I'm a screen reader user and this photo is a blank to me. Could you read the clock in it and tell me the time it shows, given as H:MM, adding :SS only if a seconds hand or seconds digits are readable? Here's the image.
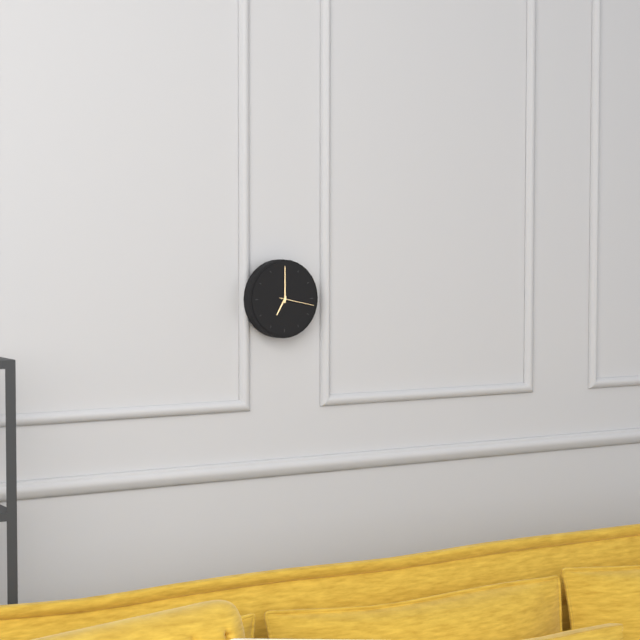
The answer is 7:00
